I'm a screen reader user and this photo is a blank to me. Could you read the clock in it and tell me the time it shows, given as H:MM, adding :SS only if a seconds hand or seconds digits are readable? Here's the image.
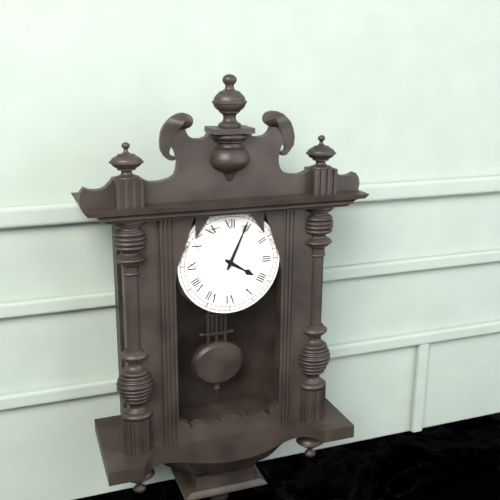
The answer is 4:04
